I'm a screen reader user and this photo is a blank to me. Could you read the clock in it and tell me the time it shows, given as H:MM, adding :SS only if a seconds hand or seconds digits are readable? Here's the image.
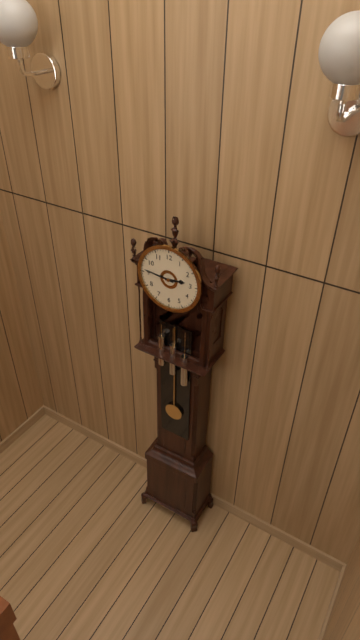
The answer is 2:46
